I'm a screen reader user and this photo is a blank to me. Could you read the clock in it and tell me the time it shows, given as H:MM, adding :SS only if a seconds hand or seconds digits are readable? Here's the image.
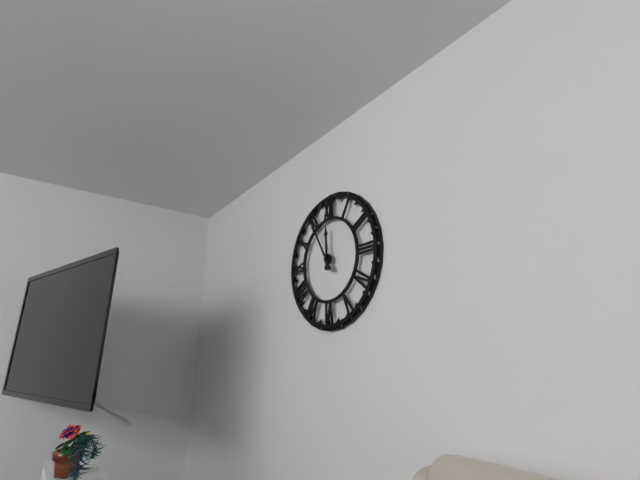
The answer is 11:55
